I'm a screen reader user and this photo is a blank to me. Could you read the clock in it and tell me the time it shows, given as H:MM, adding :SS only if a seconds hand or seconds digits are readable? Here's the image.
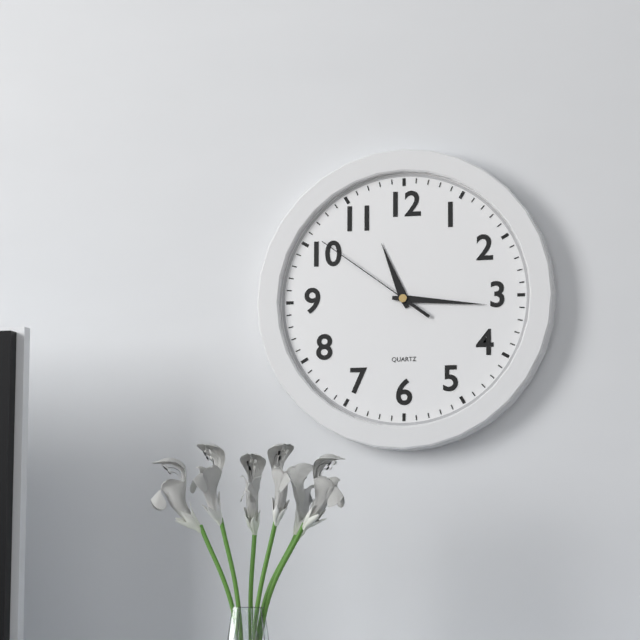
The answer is 11:16:51
